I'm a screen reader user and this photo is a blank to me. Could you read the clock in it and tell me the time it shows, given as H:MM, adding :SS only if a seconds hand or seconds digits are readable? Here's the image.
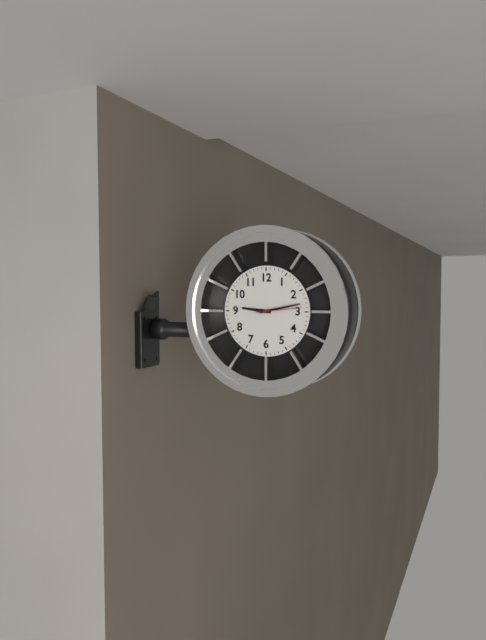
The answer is 9:13
